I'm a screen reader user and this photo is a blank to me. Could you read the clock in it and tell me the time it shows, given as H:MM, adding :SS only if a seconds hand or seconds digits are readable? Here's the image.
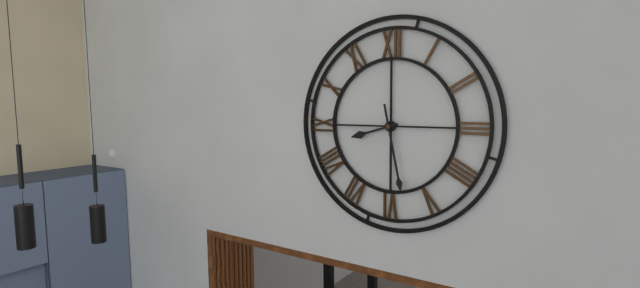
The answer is 8:28
